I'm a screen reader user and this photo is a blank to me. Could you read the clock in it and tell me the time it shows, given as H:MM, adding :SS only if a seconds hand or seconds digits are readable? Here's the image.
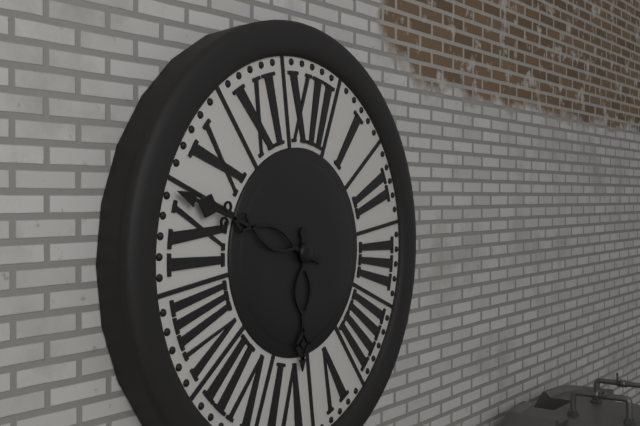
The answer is 5:47
